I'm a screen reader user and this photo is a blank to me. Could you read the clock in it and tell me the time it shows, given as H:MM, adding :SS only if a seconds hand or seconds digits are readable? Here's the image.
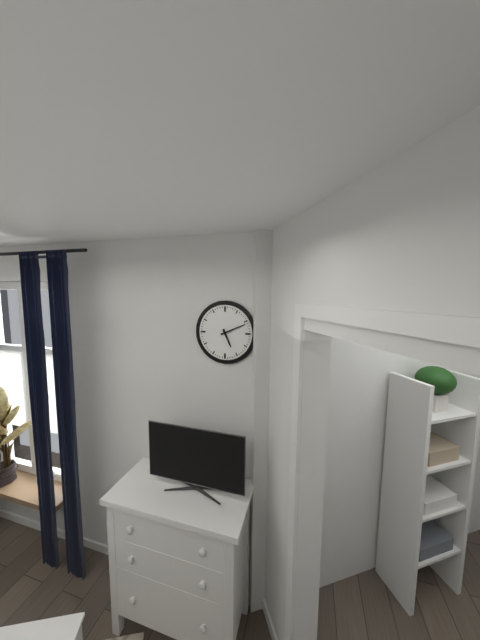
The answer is 5:11
